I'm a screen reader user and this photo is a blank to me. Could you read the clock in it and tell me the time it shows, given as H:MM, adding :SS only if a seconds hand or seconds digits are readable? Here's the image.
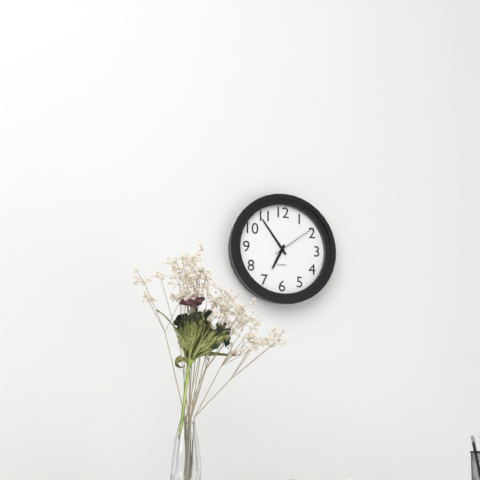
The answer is 6:54
